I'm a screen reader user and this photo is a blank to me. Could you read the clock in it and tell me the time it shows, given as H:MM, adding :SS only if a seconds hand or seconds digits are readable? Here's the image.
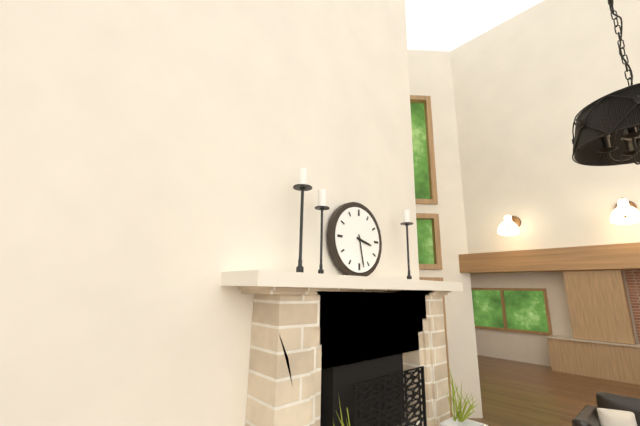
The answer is 3:28
